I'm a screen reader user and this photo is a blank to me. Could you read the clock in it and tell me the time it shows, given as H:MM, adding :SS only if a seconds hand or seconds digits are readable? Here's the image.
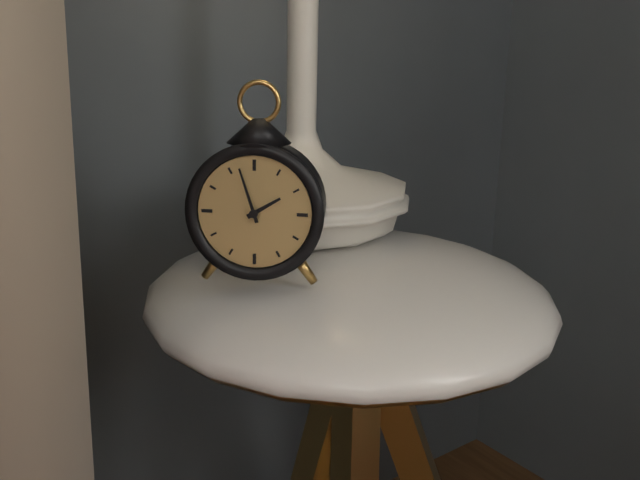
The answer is 1:57
